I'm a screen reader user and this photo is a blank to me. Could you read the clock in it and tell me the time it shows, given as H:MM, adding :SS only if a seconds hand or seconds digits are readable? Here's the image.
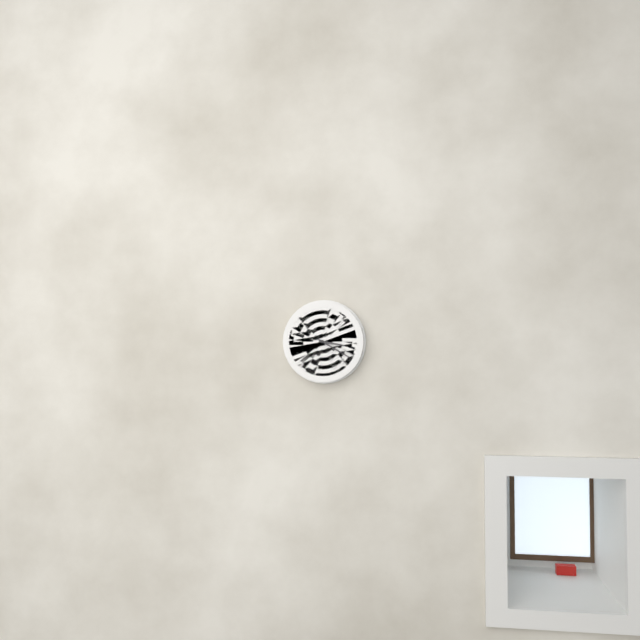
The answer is 3:20
